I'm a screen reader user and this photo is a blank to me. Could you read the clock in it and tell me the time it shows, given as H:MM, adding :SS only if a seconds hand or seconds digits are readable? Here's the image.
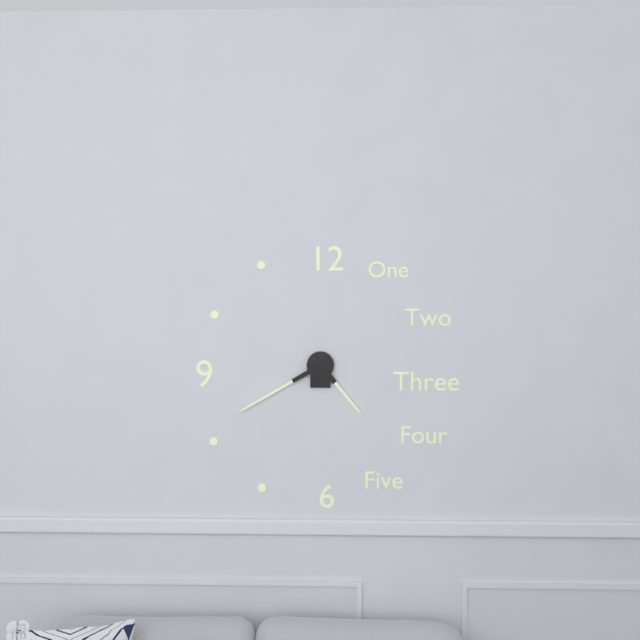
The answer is 4:40
